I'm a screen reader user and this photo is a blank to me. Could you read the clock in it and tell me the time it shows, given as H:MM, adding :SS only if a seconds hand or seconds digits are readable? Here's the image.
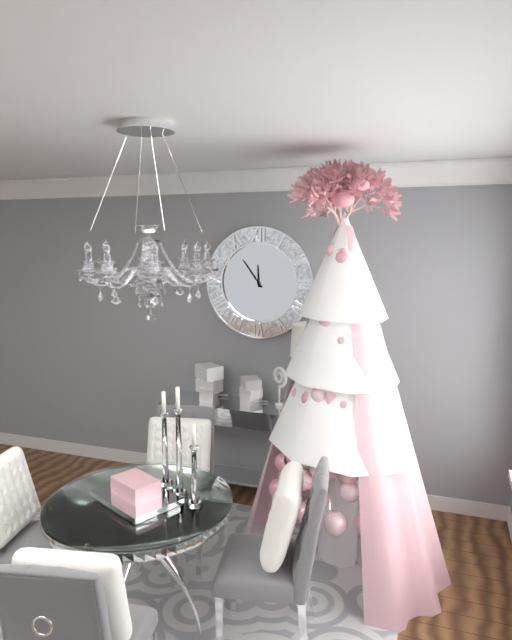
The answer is 11:54
